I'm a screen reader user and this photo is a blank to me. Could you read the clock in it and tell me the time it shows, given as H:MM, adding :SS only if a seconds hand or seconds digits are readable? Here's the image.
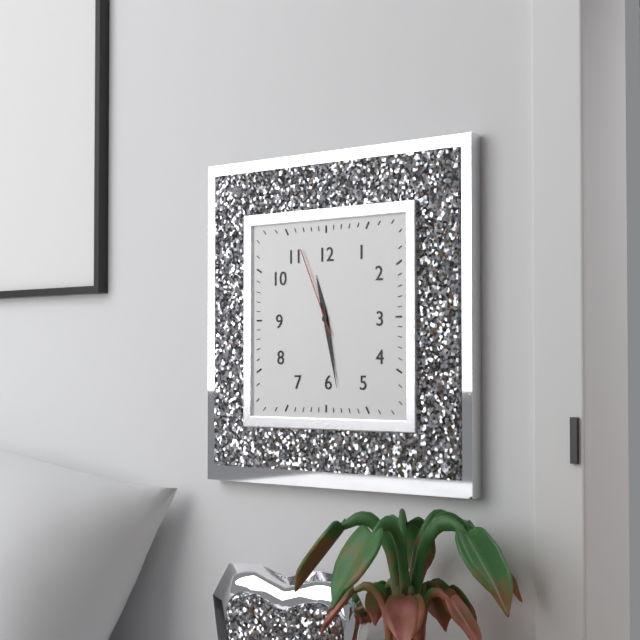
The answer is 11:28:56
